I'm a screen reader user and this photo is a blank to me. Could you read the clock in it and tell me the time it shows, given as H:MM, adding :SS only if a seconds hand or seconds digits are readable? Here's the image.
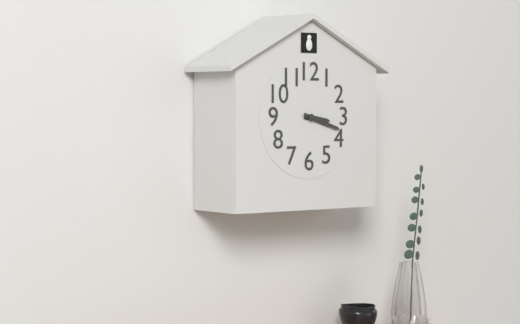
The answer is 3:18
